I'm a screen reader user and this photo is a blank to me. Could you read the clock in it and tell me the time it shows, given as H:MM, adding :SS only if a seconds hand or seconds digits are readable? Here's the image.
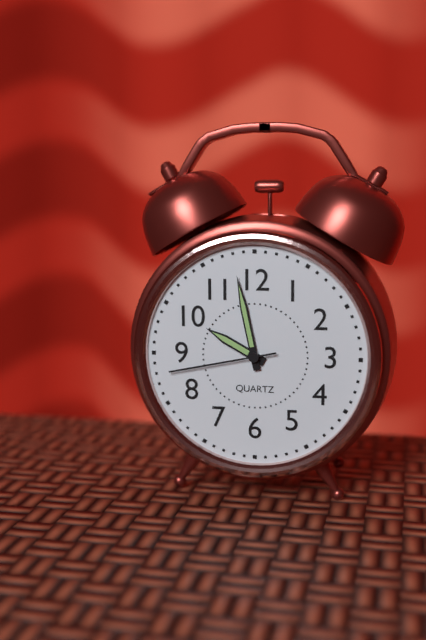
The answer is 9:58:43
